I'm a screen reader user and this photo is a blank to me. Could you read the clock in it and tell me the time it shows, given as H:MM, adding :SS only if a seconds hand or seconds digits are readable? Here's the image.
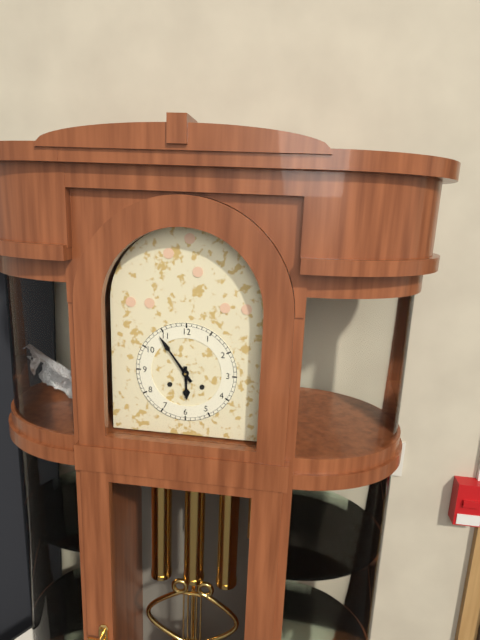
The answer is 5:54
